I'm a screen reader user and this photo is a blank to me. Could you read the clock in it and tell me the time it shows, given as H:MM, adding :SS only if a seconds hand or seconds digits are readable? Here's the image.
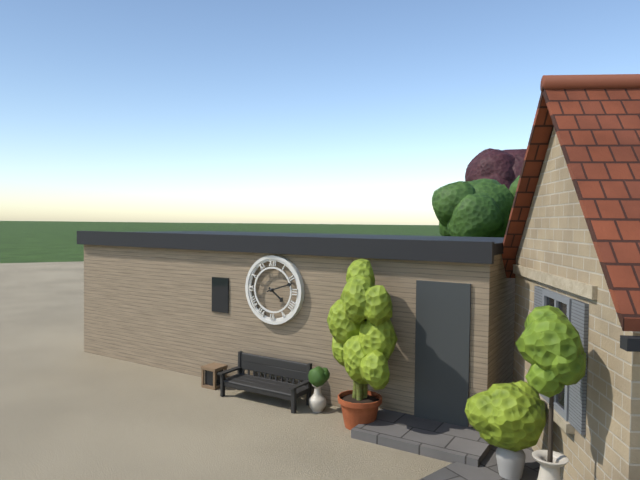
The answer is 4:12
